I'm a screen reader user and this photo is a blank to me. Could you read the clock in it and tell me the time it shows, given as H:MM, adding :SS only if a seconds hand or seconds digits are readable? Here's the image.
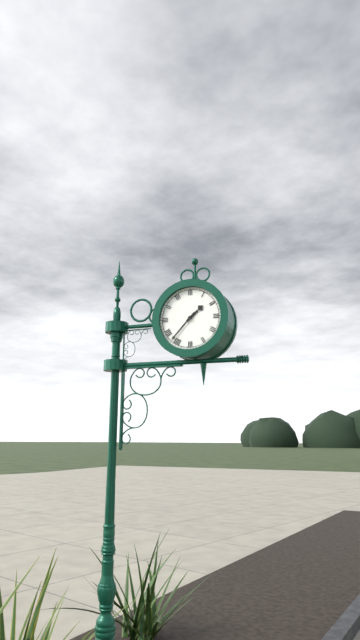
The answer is 1:37
